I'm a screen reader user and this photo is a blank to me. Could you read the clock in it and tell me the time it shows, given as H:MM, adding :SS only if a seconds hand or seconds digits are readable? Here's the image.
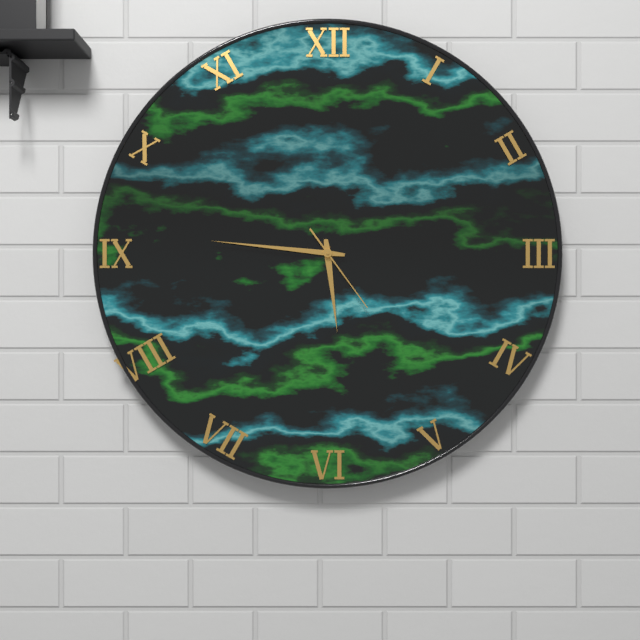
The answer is 5:46:24
